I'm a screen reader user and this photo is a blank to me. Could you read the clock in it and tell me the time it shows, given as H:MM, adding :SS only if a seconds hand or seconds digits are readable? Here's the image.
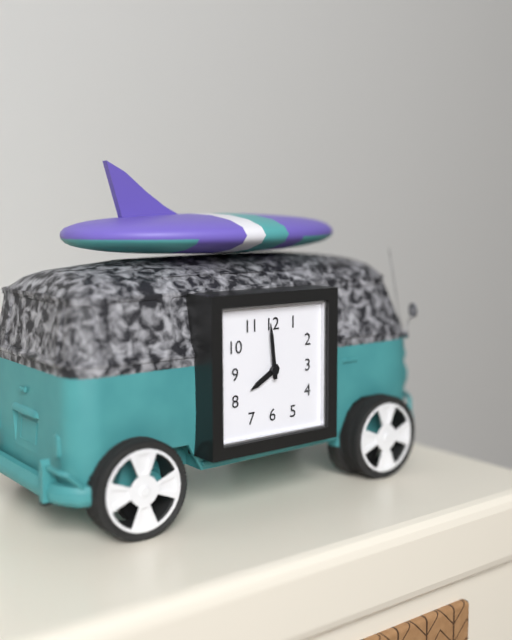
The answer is 7:59
